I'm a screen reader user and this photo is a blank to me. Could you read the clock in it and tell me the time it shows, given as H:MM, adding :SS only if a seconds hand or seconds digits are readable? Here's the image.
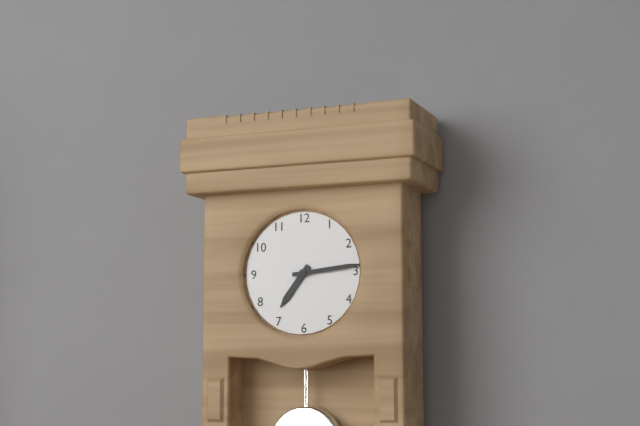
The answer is 7:14
